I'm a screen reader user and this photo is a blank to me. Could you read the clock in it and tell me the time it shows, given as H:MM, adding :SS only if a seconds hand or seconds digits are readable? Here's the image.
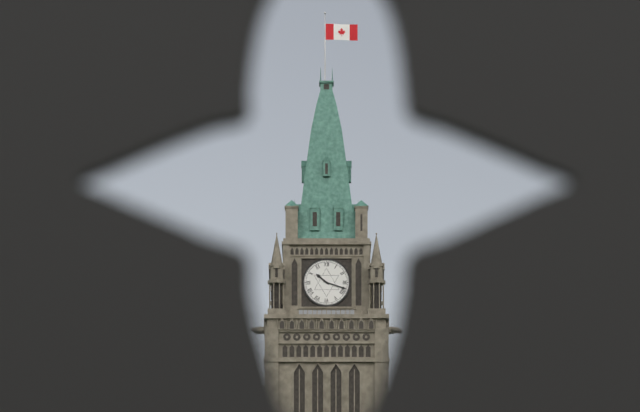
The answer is 10:18
